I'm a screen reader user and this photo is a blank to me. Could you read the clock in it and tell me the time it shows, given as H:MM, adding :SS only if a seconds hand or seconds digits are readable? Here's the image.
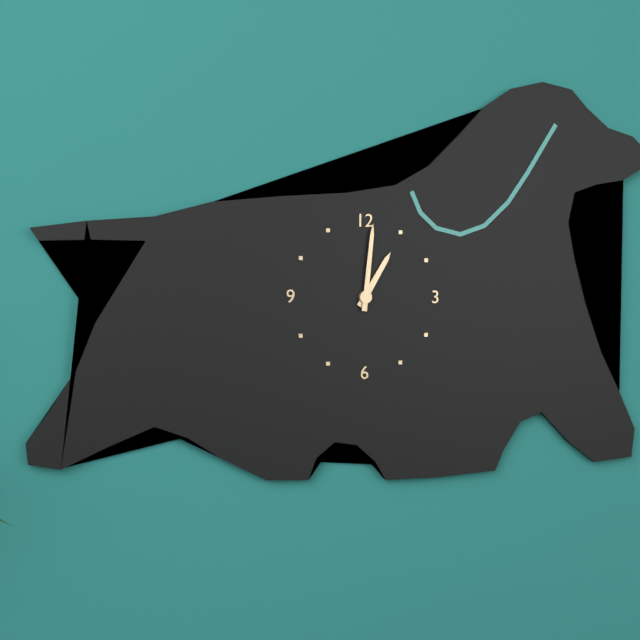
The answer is 1:01
